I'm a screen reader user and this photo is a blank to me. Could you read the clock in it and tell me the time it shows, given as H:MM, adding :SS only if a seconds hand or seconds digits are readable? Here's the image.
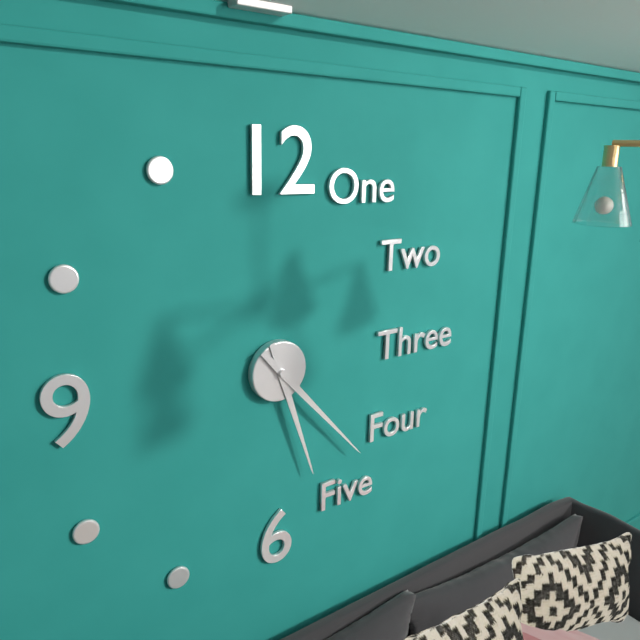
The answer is 5:23
